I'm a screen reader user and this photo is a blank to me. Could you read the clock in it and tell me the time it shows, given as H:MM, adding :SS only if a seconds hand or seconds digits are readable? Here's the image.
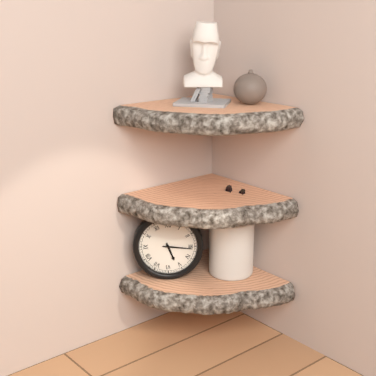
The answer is 5:16
